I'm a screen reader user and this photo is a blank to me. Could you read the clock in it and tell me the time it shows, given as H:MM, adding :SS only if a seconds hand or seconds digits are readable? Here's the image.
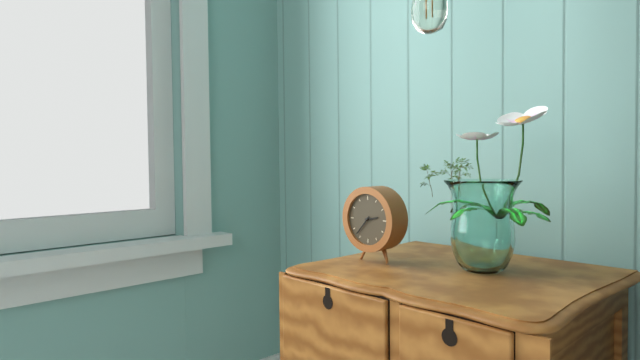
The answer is 2:37
